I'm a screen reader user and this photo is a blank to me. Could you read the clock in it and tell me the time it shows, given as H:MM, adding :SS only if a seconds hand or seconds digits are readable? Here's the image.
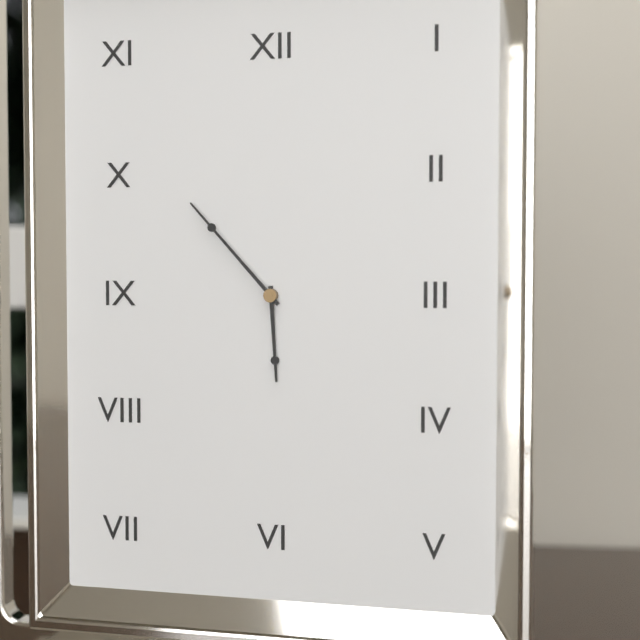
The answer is 5:53
